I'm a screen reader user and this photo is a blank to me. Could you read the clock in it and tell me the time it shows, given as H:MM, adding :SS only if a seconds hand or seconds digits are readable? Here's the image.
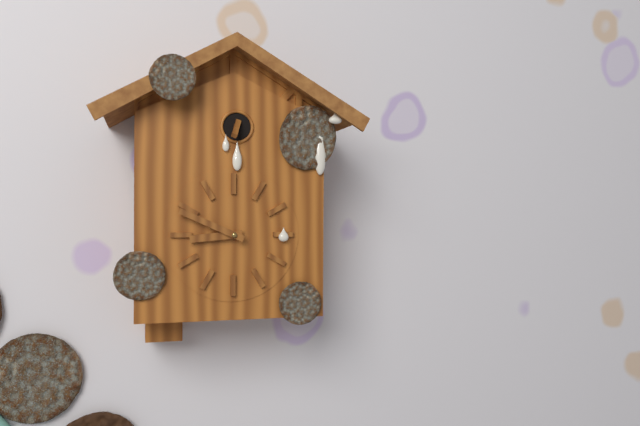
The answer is 8:49
